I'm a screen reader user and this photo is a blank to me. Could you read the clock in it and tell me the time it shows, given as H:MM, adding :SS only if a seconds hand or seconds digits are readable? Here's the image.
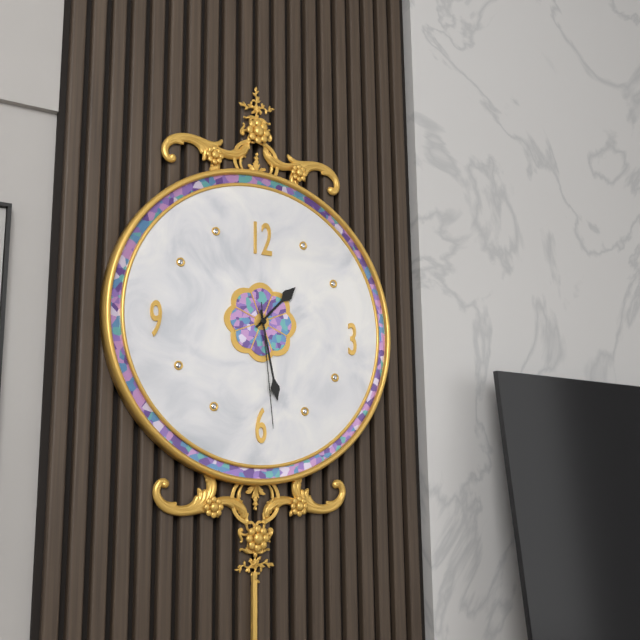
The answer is 1:28:29
